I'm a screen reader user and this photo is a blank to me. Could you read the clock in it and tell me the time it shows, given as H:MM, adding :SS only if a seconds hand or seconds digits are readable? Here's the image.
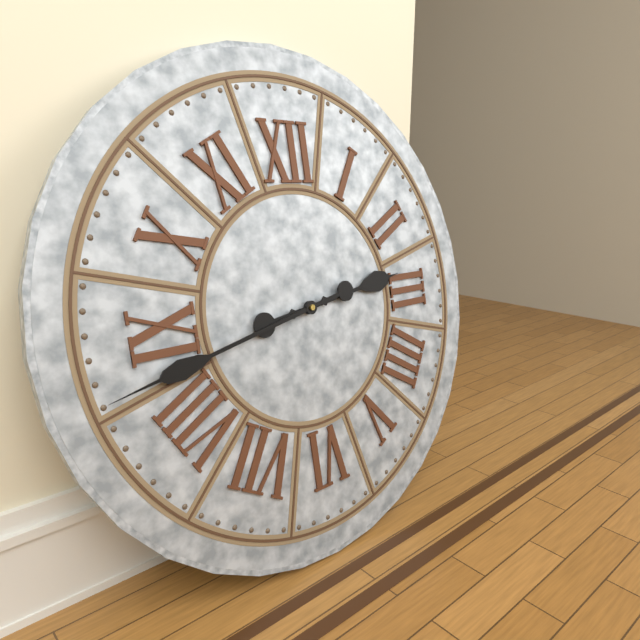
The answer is 2:43
